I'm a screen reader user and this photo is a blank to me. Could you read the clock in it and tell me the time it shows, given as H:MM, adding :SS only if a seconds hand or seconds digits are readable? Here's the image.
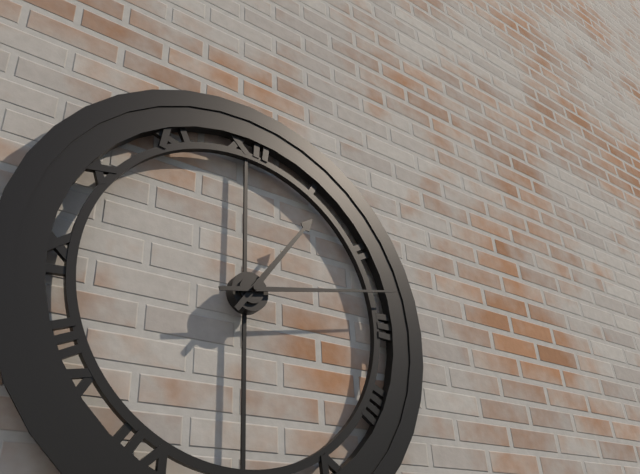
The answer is 1:13
